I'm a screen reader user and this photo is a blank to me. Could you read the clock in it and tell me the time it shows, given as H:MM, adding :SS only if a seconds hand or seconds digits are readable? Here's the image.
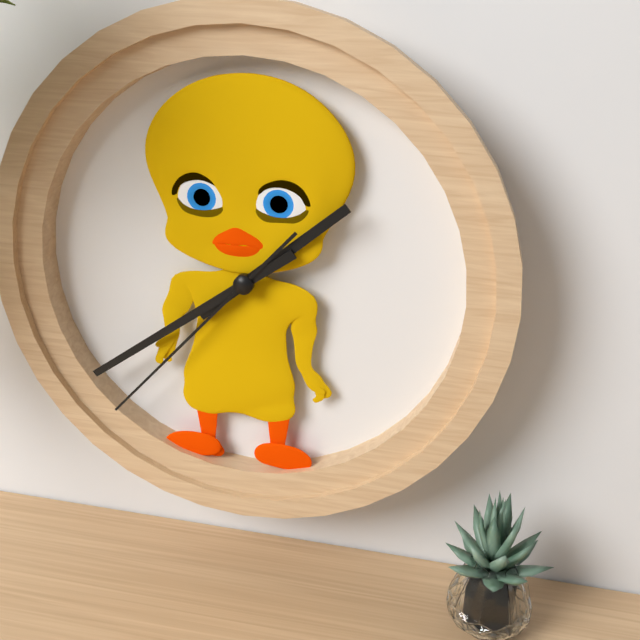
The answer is 1:39:37
